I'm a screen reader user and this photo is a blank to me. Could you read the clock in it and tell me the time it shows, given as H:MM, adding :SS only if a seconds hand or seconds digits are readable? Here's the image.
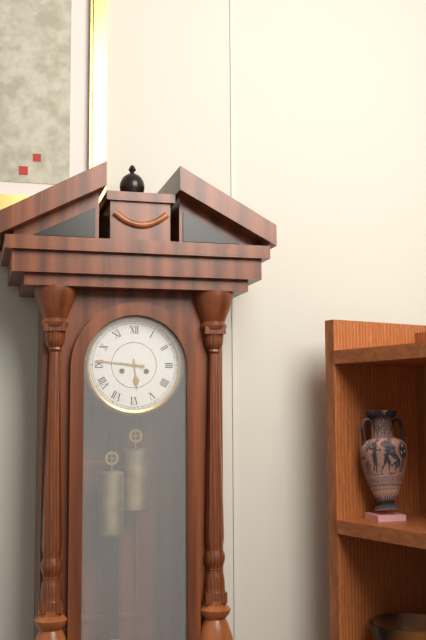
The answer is 5:46
